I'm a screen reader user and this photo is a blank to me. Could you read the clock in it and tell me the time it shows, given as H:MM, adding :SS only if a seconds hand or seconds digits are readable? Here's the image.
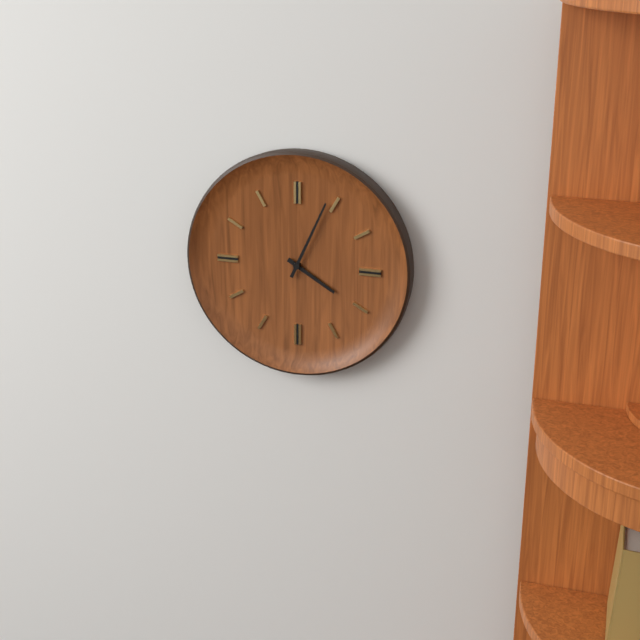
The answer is 4:04
